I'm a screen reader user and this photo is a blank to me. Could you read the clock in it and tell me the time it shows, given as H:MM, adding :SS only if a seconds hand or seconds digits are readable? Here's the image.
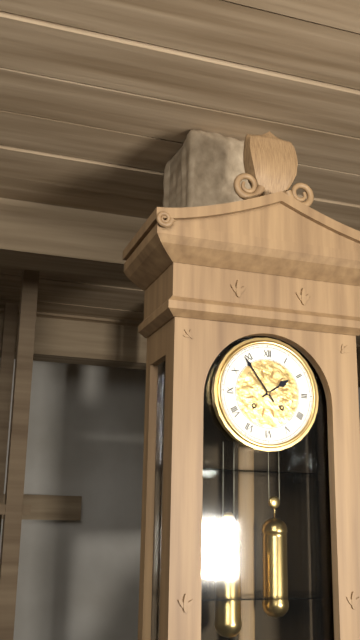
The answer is 1:54
